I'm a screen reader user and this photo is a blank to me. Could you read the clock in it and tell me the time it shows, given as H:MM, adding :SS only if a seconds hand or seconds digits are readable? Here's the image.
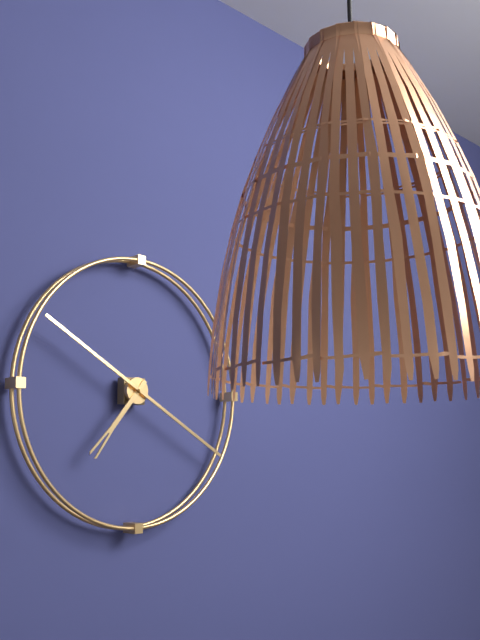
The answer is 7:20
